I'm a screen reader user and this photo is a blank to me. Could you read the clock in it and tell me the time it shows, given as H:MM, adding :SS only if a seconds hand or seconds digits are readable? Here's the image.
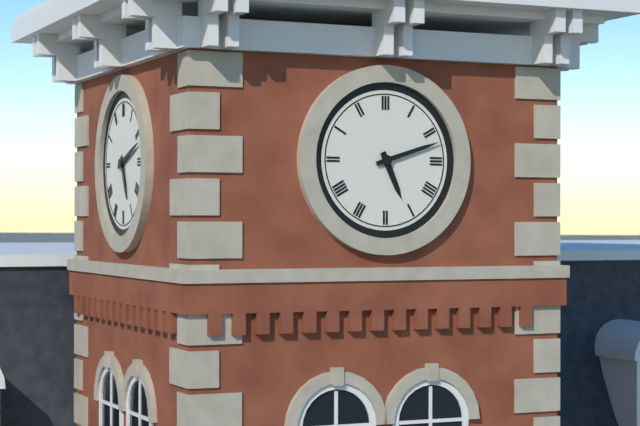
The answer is 5:12
